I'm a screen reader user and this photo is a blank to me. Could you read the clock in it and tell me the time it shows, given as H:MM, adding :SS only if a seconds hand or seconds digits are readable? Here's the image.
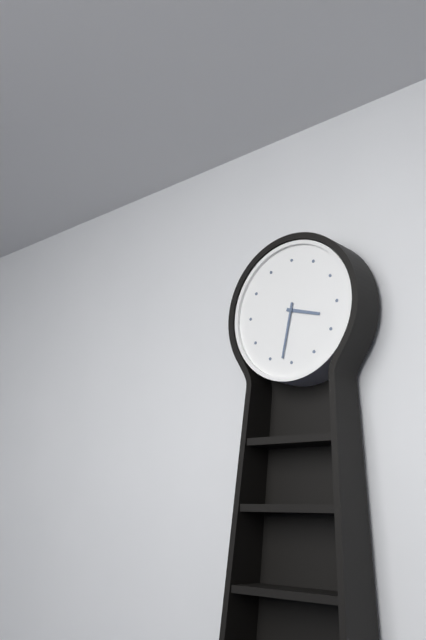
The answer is 3:32
